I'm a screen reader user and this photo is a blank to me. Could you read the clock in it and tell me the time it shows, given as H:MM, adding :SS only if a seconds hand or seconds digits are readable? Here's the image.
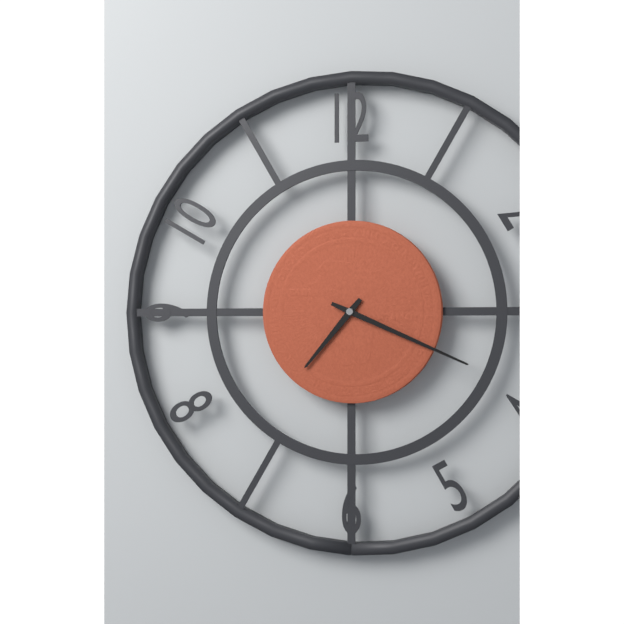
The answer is 7:19
